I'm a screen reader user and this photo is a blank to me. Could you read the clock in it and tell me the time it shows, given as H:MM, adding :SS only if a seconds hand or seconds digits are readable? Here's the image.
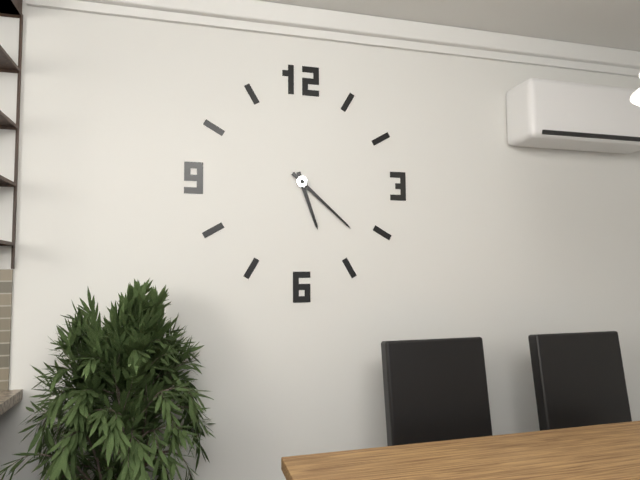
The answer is 5:22
